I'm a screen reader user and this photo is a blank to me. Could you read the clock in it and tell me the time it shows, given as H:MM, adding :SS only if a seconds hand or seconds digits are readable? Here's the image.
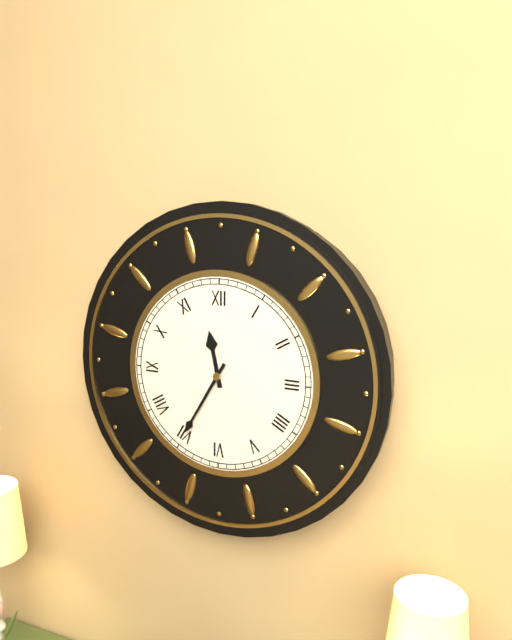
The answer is 11:35
